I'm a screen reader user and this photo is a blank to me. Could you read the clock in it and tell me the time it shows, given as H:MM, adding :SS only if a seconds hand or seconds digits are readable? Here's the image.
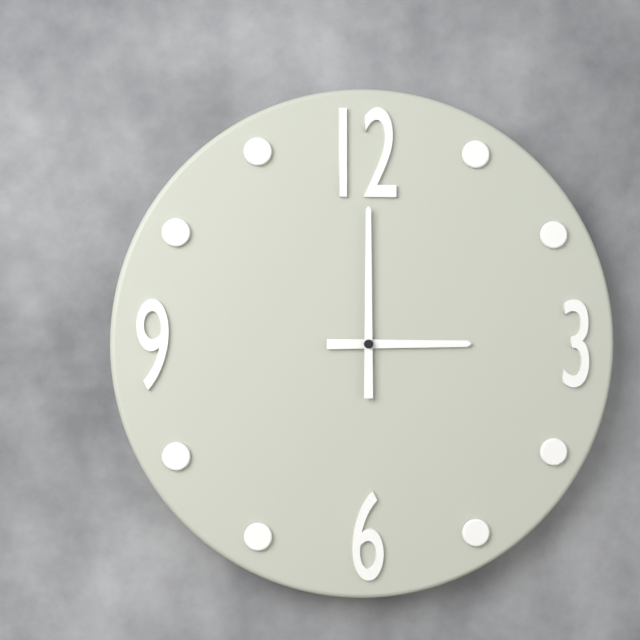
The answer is 3:00
